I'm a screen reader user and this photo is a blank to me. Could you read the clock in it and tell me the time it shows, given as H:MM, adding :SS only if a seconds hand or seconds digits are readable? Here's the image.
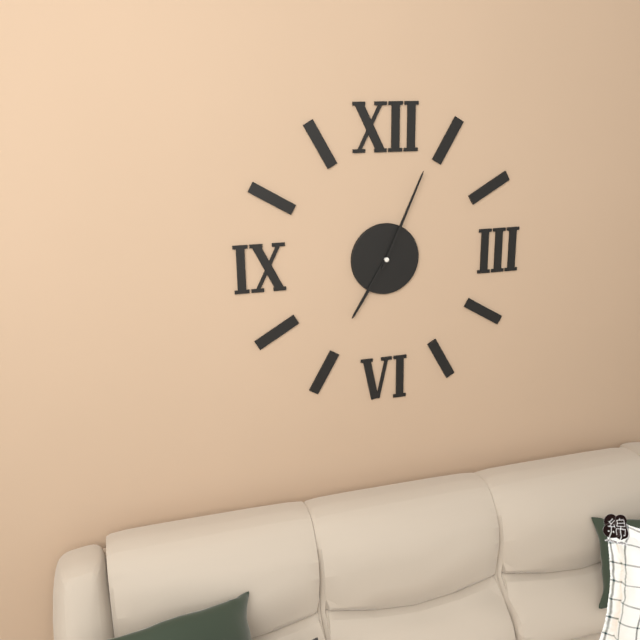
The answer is 7:04
